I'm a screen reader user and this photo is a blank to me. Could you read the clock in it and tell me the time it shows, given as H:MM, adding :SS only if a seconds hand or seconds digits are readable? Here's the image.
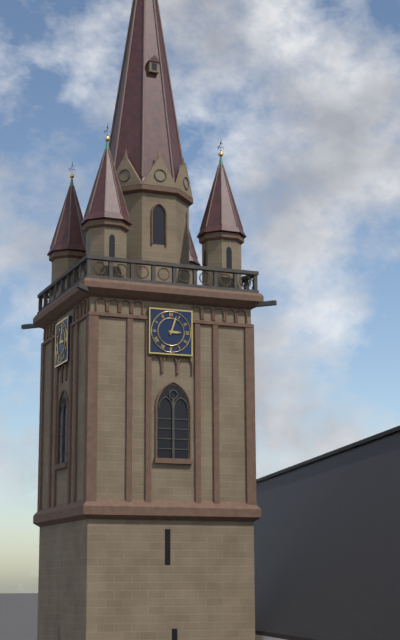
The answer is 3:03
